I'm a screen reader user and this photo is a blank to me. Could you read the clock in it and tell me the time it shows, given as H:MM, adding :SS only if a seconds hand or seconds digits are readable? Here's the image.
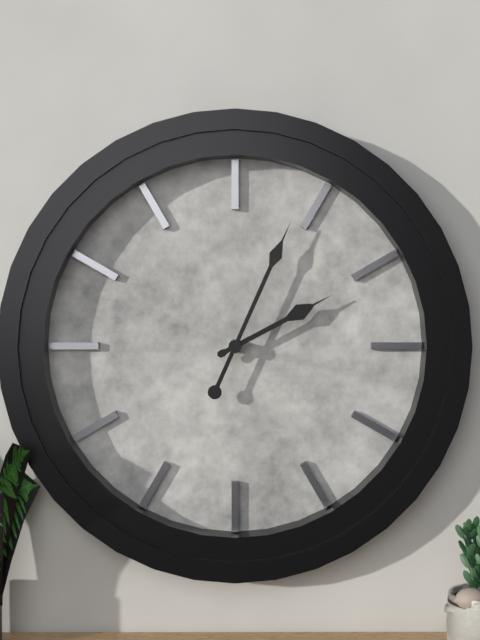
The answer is 2:04
